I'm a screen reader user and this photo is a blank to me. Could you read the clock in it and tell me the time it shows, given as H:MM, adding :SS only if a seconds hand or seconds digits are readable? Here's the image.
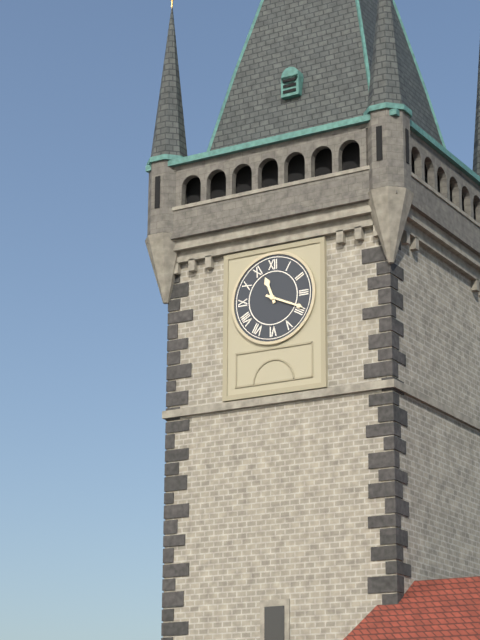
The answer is 11:19
